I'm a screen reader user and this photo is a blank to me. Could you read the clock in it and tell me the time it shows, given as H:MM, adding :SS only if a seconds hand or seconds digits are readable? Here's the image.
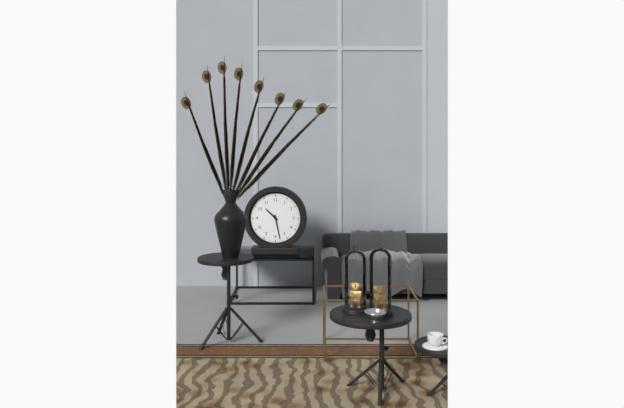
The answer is 10:28
